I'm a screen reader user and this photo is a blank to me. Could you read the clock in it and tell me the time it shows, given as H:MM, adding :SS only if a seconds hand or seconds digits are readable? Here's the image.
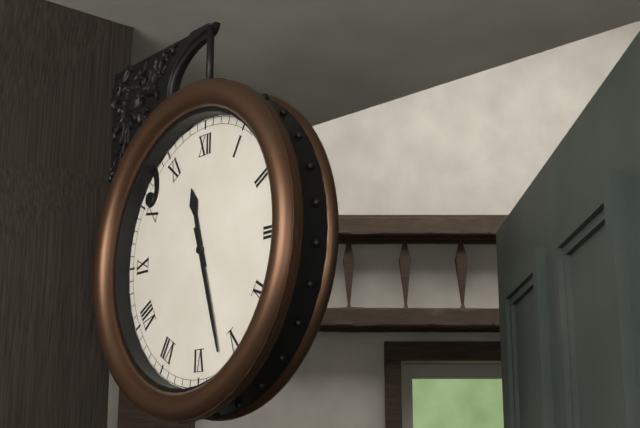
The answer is 11:27
